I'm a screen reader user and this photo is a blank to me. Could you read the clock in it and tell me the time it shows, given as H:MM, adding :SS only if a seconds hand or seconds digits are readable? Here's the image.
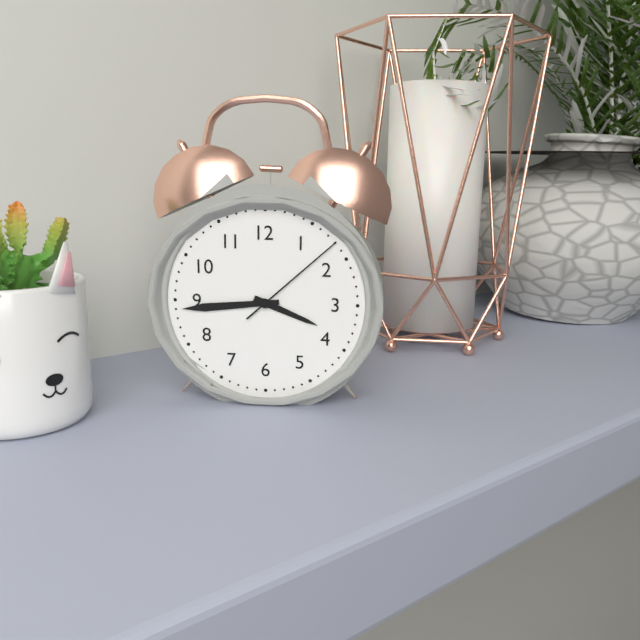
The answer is 3:44:08
